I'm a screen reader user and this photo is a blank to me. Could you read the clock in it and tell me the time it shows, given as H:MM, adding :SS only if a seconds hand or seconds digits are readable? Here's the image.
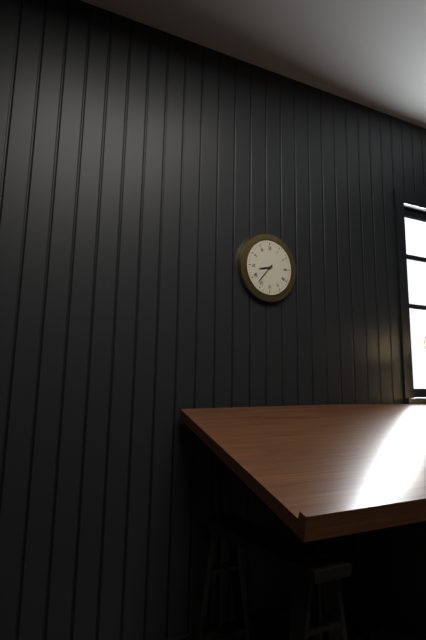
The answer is 8:37
